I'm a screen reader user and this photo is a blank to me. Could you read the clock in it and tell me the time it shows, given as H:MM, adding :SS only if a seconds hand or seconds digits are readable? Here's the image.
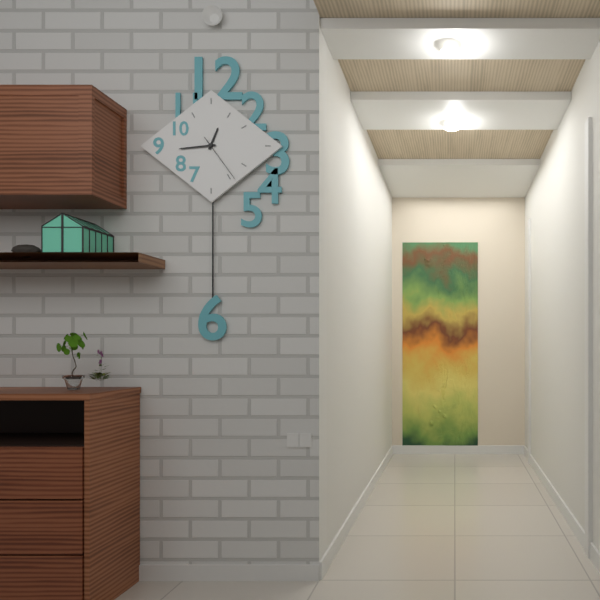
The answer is 12:44
